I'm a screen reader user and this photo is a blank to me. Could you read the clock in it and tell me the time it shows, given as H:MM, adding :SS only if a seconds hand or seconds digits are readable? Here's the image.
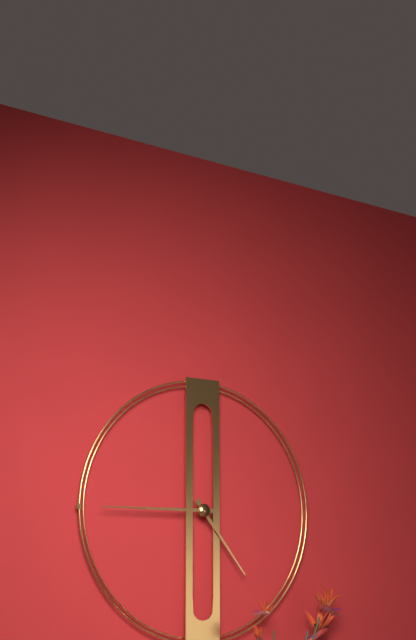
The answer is 4:45
